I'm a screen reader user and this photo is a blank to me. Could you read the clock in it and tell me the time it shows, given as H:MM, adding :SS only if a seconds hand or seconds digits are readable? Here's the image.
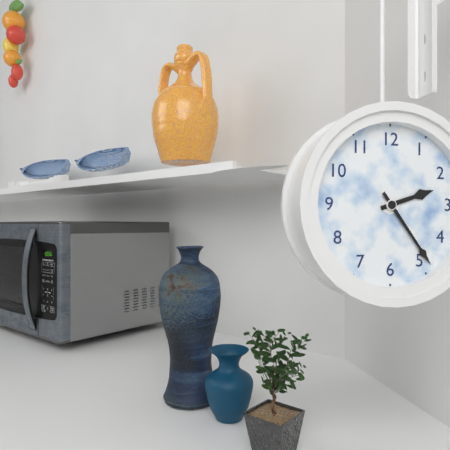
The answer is 2:24
